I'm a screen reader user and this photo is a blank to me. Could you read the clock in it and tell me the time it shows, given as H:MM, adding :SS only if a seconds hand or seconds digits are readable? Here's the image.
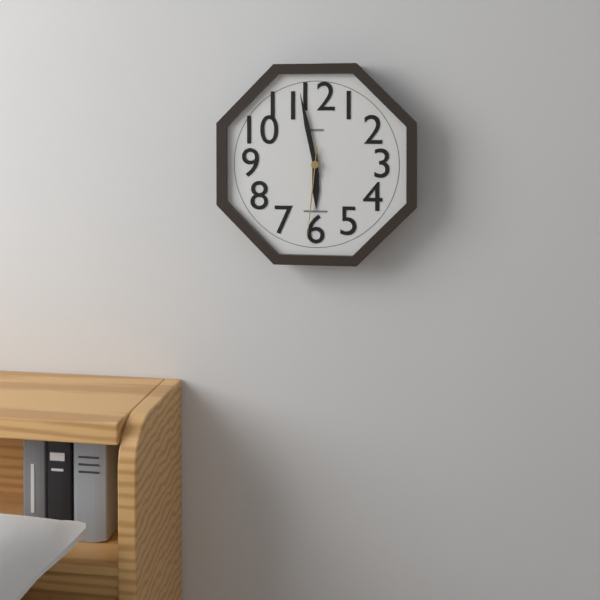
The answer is 5:58:31
